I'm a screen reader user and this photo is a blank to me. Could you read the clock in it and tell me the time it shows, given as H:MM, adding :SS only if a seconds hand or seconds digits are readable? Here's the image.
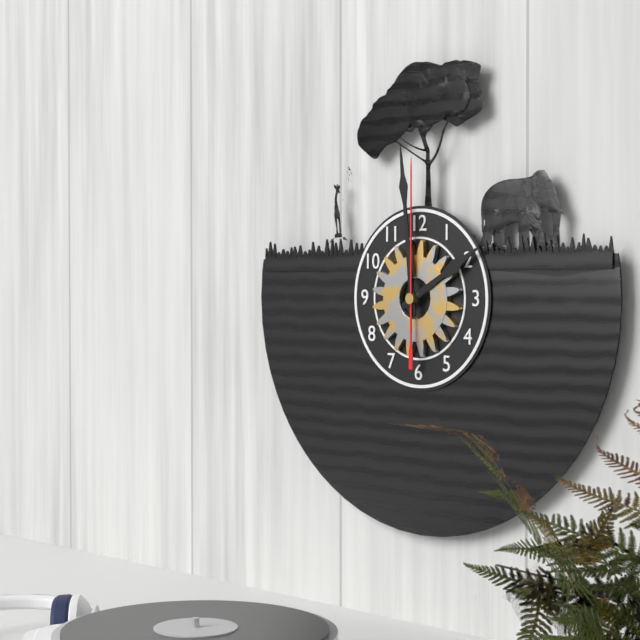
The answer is 1:59:00
